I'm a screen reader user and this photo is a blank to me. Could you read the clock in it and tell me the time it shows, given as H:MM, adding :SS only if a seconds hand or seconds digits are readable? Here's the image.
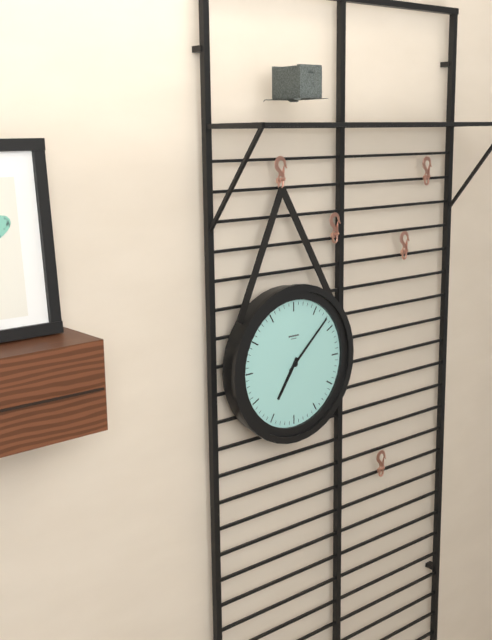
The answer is 7:08
